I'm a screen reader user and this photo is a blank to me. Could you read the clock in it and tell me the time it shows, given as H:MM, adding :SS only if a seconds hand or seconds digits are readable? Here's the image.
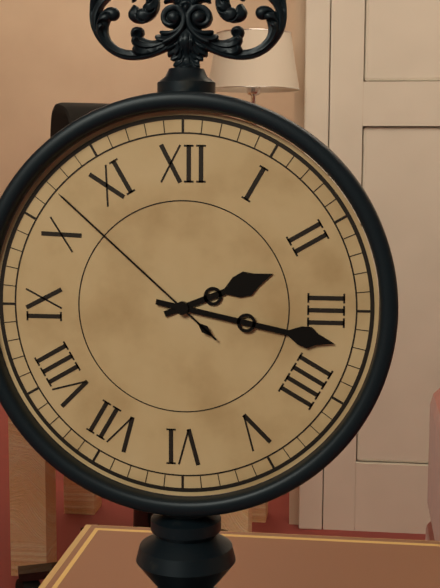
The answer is 2:17:52
